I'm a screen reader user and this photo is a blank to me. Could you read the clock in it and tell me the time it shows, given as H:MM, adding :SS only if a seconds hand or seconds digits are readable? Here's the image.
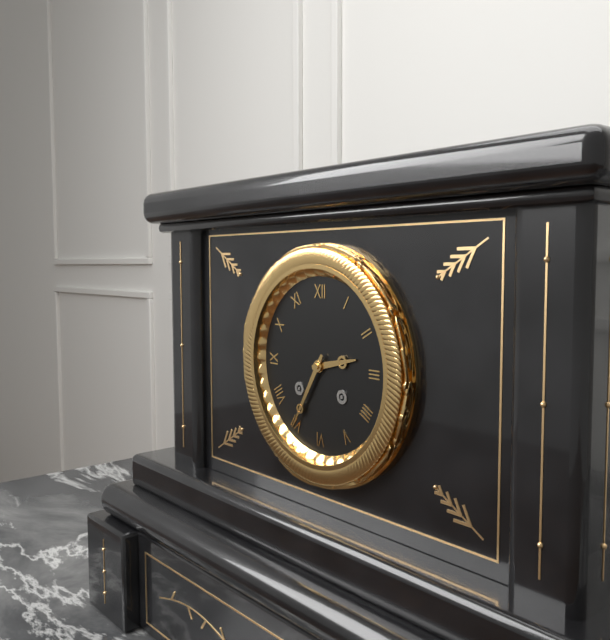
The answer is 2:35
